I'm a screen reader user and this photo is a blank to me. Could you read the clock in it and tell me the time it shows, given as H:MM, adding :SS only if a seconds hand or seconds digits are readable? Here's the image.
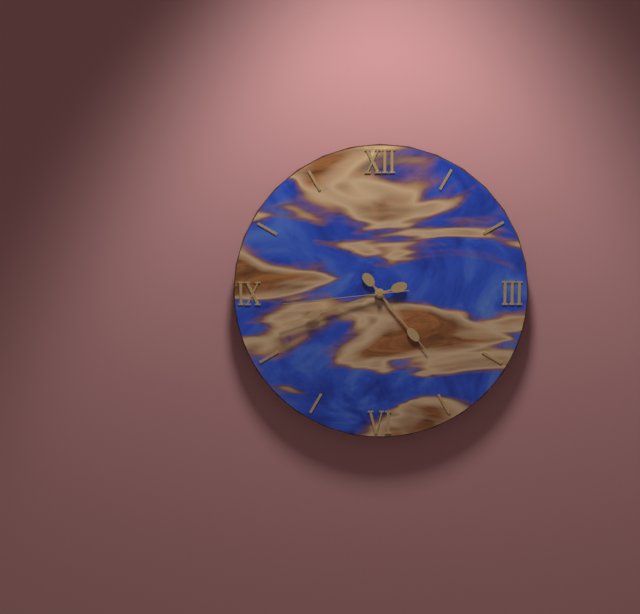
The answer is 4:42:44
